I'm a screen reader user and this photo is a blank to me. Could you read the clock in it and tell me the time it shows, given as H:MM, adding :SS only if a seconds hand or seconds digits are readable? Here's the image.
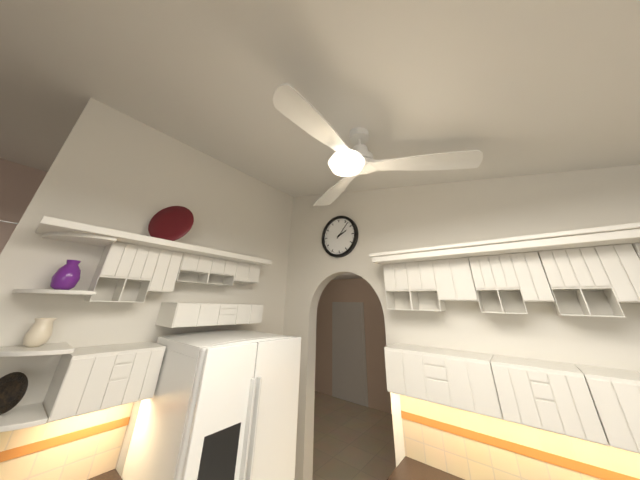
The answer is 2:07
